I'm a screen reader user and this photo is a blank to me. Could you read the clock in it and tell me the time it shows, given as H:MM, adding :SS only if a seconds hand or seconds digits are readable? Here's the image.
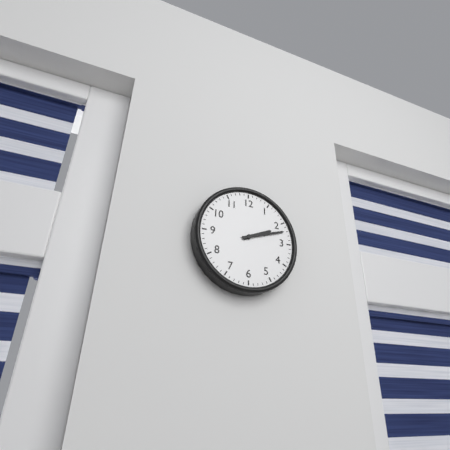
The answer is 2:12
